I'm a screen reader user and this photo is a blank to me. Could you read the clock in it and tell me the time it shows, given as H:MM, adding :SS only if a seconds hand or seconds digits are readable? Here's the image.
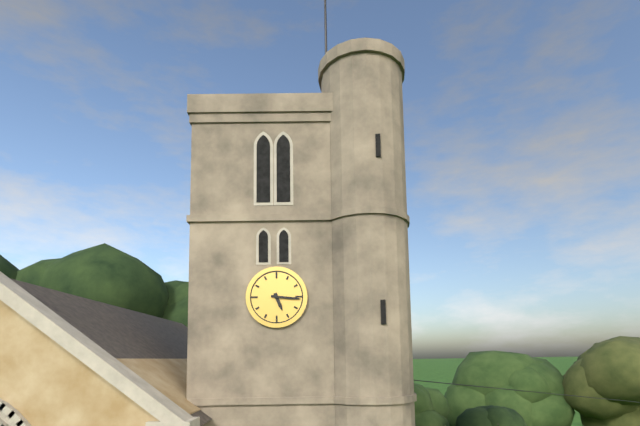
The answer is 5:16
